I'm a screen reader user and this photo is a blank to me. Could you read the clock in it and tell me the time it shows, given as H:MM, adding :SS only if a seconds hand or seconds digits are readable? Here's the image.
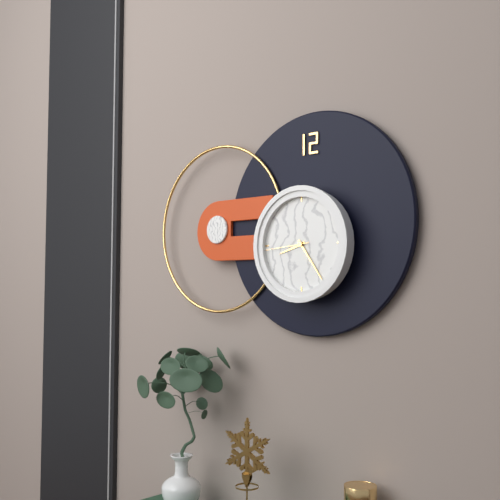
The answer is 8:24
